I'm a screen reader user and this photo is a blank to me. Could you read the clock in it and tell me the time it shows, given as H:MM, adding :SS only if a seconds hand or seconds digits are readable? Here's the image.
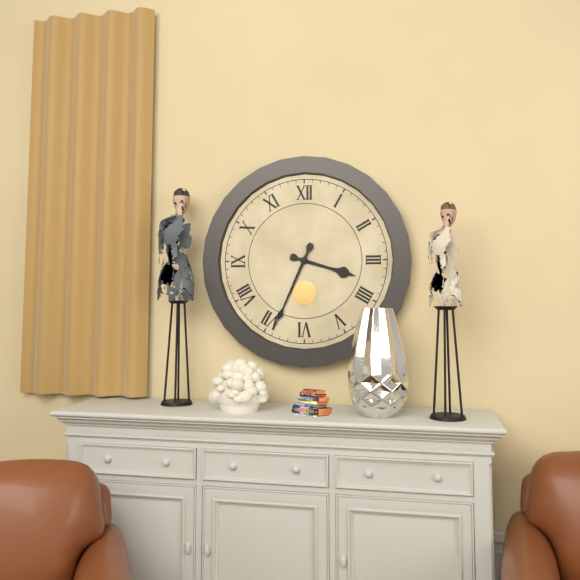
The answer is 3:34
